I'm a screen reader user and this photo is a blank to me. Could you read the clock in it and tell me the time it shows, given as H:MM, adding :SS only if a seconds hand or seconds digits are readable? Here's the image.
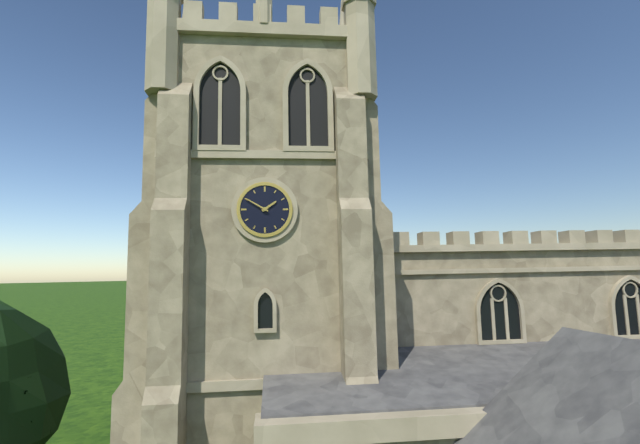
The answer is 1:50
